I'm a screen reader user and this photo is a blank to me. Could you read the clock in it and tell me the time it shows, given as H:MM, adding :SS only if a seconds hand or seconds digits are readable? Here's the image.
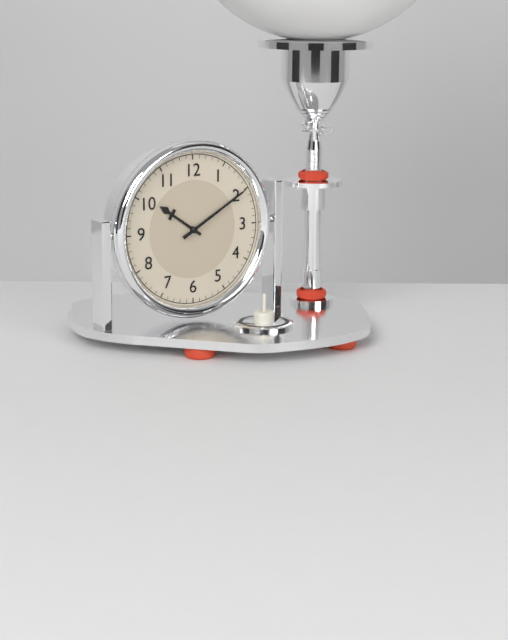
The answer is 10:10
